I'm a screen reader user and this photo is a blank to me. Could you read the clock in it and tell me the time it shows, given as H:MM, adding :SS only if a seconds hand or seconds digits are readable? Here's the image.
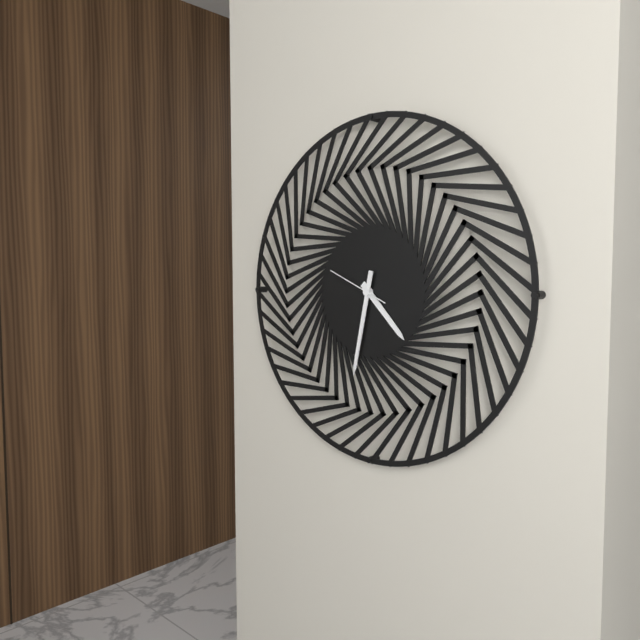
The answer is 4:32:49
